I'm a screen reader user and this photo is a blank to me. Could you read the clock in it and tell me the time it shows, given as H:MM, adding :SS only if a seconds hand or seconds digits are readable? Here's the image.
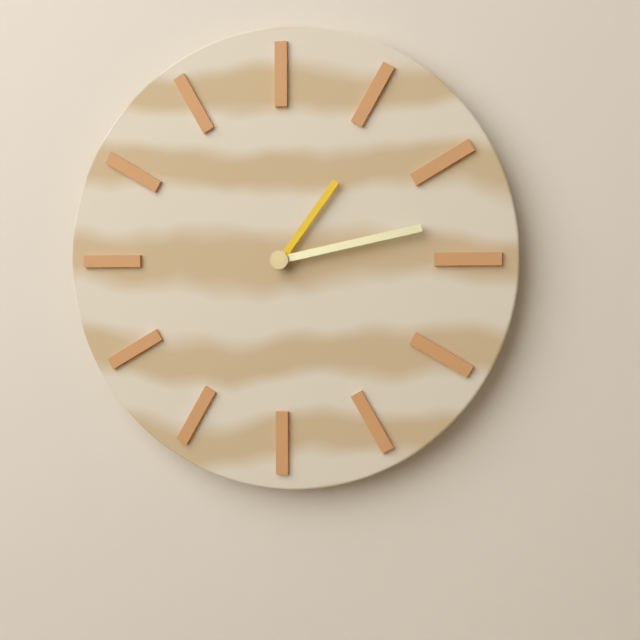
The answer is 1:13
